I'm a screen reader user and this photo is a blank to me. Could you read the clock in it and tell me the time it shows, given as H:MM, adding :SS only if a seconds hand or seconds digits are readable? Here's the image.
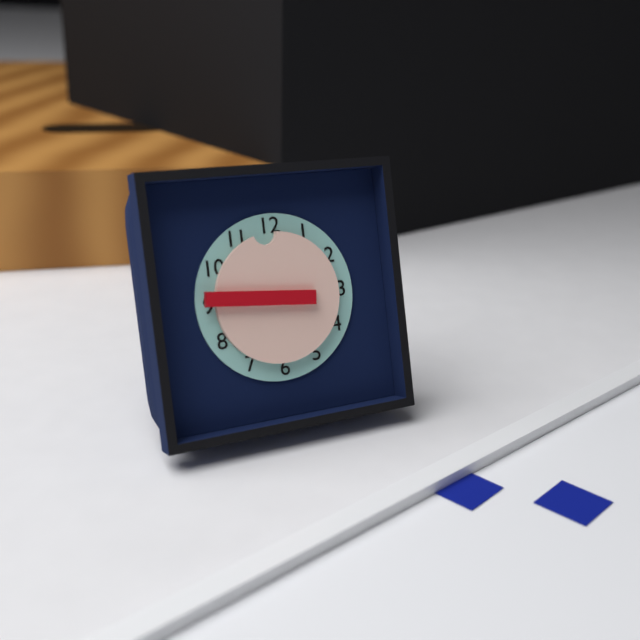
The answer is 11:46
